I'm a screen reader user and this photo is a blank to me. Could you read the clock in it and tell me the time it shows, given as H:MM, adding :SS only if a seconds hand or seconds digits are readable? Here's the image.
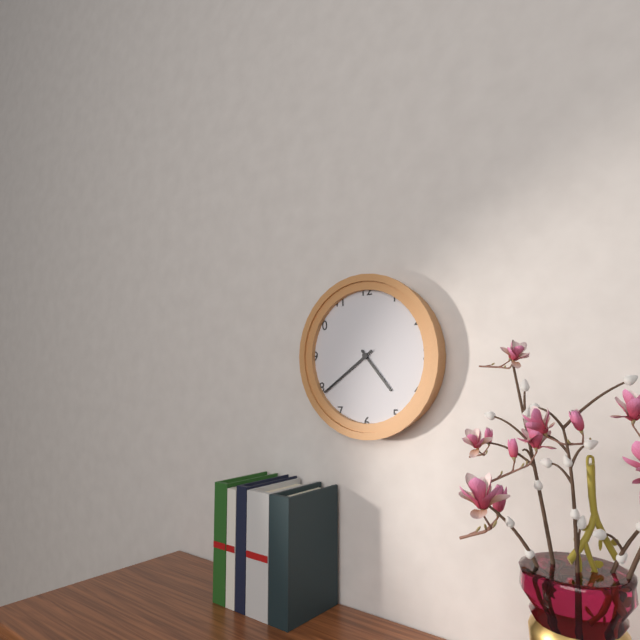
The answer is 4:39
